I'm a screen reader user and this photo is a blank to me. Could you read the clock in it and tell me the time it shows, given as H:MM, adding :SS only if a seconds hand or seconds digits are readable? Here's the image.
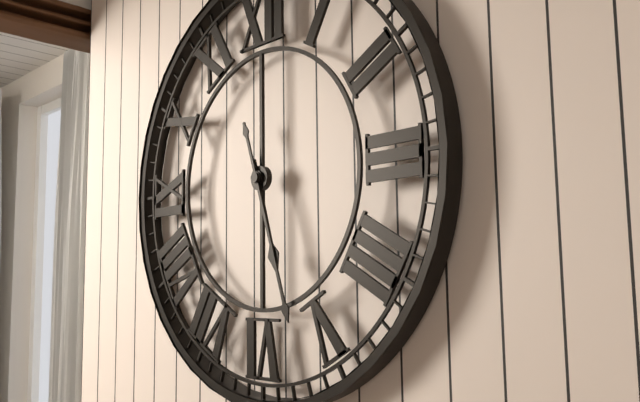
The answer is 5:27
